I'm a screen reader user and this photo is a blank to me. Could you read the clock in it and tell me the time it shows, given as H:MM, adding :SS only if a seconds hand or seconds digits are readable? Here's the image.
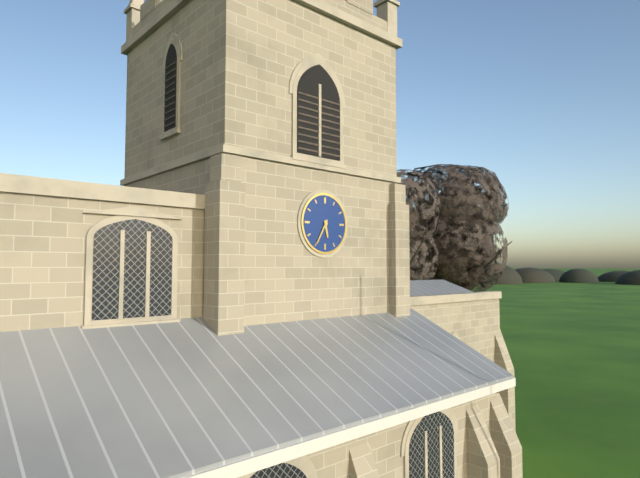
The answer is 5:35
